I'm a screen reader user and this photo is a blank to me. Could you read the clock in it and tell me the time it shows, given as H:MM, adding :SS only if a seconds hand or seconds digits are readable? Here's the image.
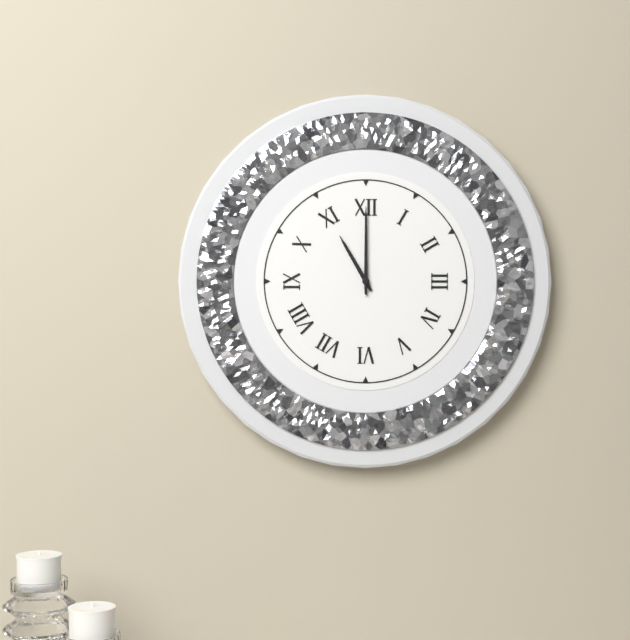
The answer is 11:00
